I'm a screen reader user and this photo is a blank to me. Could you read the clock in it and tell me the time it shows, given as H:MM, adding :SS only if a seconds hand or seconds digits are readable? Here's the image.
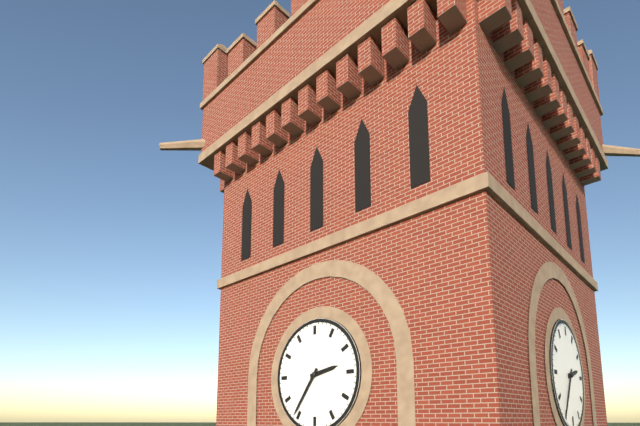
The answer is 2:36
